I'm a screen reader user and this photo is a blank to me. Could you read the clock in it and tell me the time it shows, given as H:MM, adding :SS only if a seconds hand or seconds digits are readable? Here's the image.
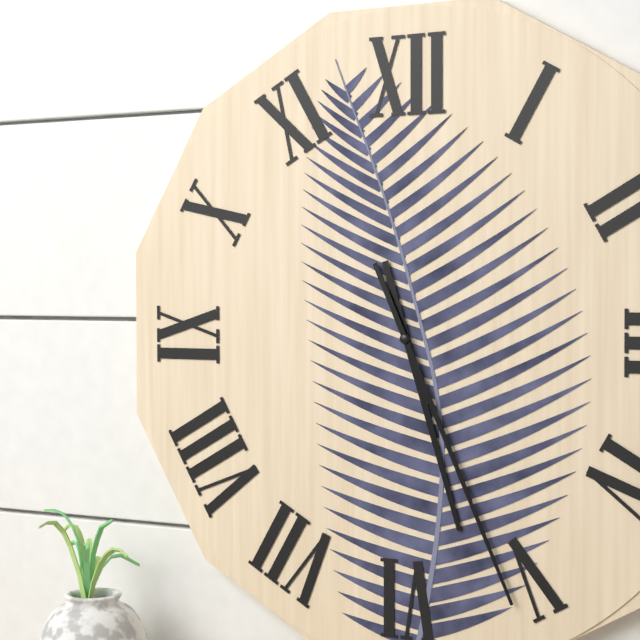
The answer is 5:26
